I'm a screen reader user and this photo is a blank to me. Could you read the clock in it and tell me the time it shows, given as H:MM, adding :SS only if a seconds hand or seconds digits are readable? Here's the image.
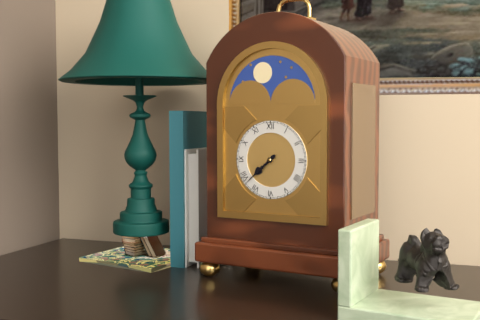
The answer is 7:38
